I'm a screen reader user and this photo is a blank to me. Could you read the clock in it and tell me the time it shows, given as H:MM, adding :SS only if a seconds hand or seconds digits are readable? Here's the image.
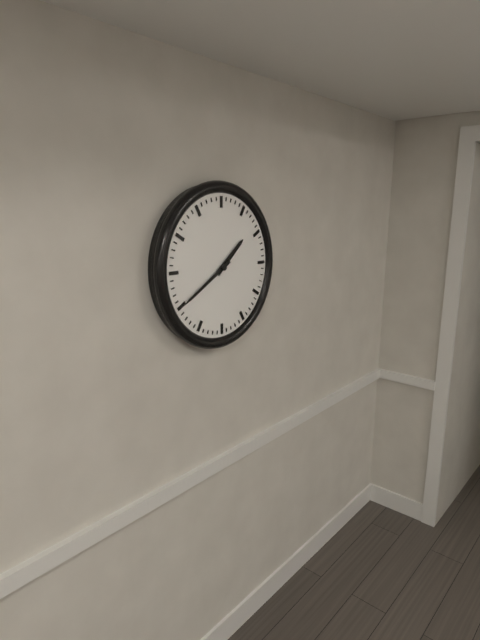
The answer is 1:40
